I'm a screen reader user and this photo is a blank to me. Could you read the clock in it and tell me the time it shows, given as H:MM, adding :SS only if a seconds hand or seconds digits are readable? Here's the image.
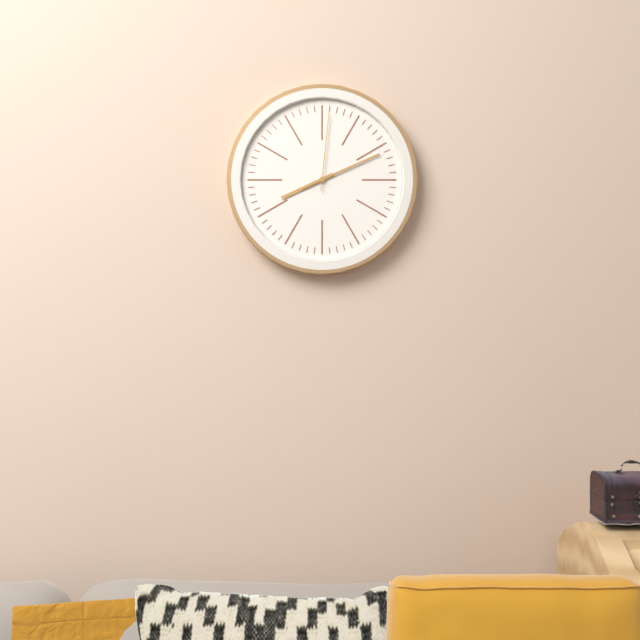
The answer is 8:11:01
